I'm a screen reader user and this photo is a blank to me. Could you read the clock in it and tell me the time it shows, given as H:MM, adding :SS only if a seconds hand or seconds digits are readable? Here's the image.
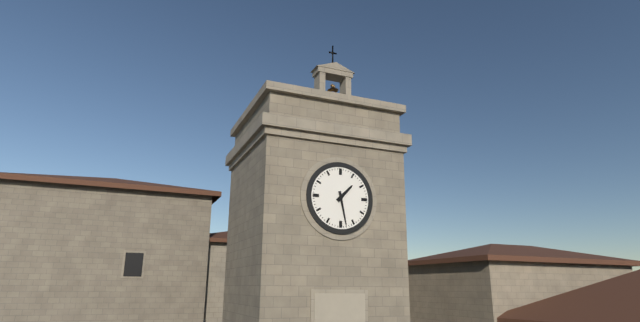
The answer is 1:28
